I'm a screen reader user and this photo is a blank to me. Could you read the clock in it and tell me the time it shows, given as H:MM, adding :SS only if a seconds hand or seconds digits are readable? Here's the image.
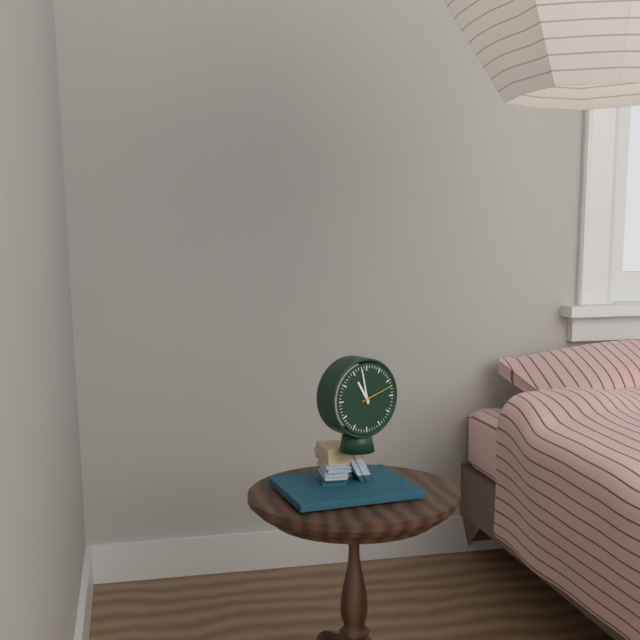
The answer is 10:58
